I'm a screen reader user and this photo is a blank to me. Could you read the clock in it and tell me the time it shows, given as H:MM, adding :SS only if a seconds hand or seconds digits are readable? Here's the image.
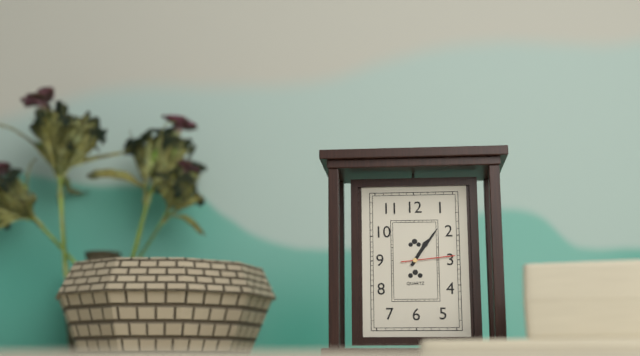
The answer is 1:06:14
